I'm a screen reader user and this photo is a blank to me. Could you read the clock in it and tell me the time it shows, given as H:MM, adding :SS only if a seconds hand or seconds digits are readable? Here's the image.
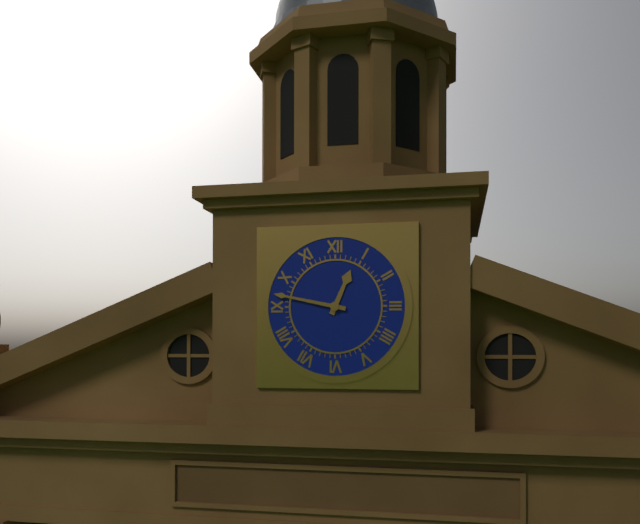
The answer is 12:47
